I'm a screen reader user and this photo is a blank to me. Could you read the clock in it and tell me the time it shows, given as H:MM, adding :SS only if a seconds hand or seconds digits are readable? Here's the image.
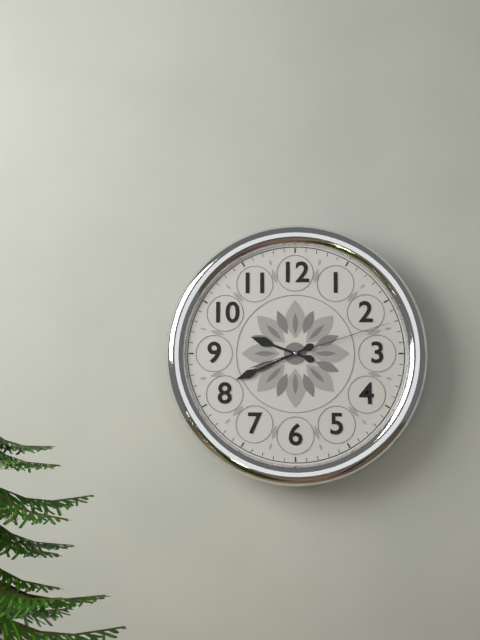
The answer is 9:41:12
